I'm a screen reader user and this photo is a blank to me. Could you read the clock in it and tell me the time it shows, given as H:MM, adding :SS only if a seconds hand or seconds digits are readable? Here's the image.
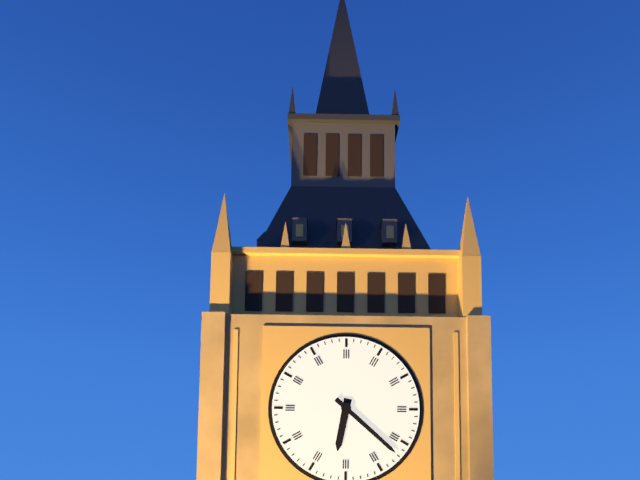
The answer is 6:22
